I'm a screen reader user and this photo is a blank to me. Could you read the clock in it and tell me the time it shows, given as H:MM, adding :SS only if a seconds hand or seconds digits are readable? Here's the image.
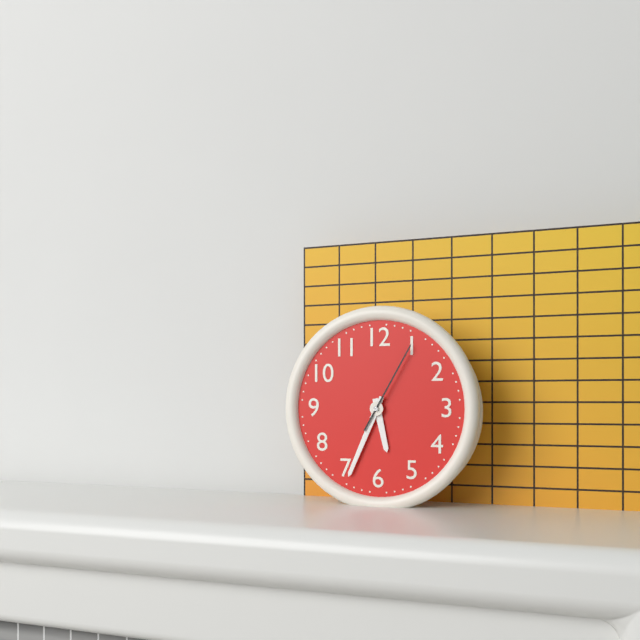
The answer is 5:34:05
